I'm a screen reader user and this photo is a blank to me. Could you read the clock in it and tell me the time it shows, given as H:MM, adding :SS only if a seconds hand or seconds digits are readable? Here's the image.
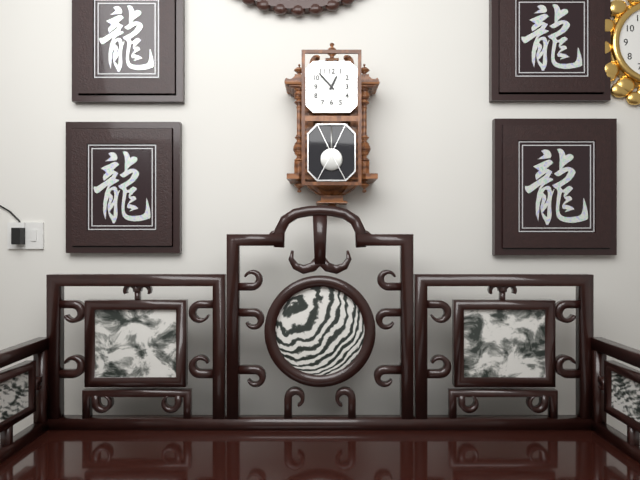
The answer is 12:53
